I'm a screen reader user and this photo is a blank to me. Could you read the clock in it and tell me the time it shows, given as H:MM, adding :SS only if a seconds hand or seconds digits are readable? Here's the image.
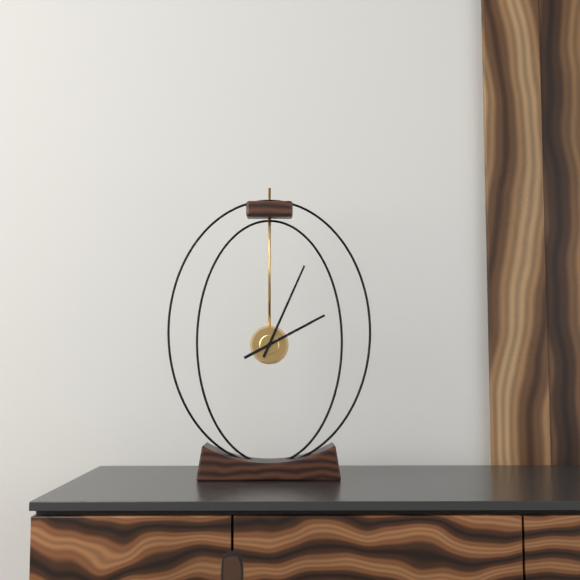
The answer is 2:04
